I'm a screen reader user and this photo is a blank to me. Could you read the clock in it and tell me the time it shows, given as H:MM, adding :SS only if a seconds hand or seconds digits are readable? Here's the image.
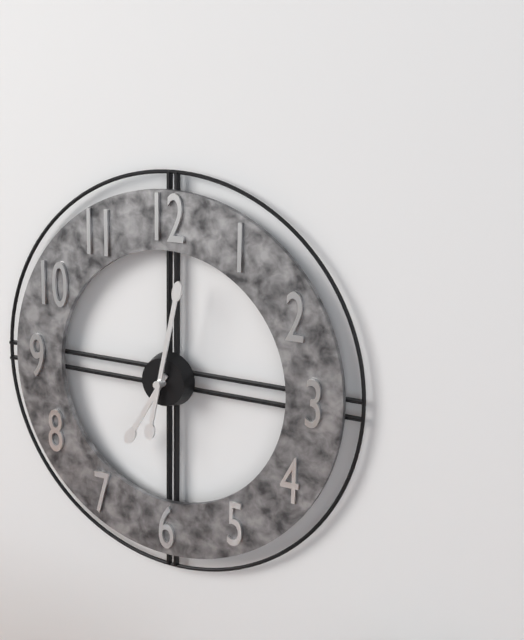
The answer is 7:02
